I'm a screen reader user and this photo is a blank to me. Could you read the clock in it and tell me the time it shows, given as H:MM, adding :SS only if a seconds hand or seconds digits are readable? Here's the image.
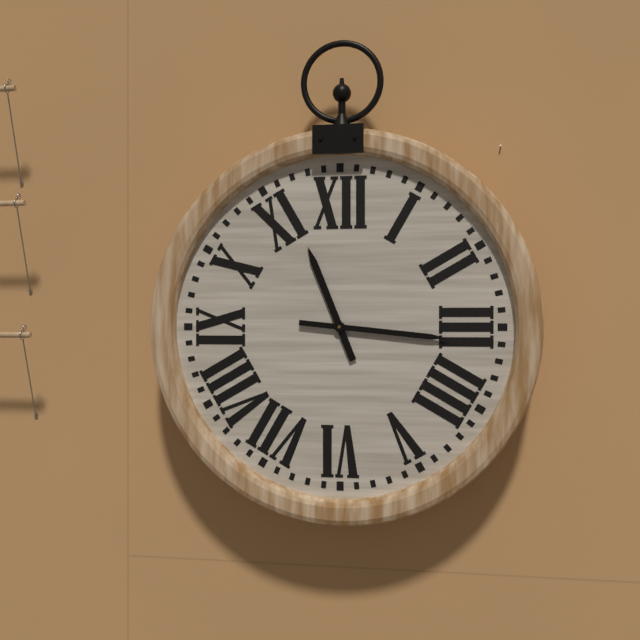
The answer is 11:16
